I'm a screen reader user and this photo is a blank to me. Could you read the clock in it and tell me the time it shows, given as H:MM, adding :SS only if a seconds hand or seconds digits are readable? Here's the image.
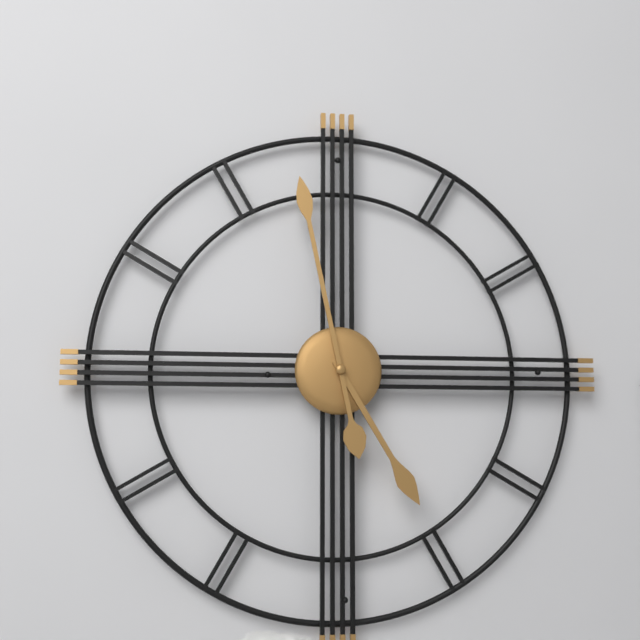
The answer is 4:58
